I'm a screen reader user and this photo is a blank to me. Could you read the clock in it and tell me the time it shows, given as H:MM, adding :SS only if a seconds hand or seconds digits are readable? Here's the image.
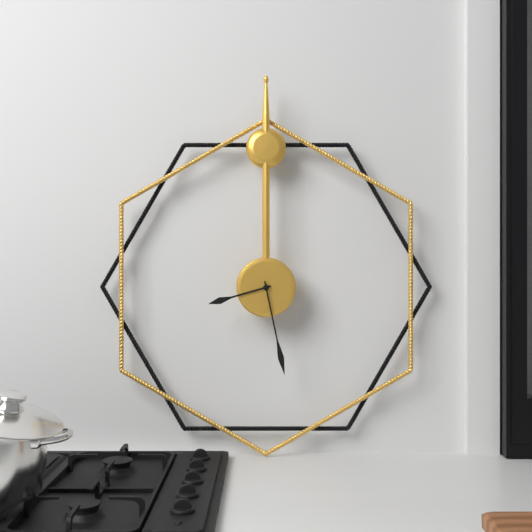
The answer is 8:28
